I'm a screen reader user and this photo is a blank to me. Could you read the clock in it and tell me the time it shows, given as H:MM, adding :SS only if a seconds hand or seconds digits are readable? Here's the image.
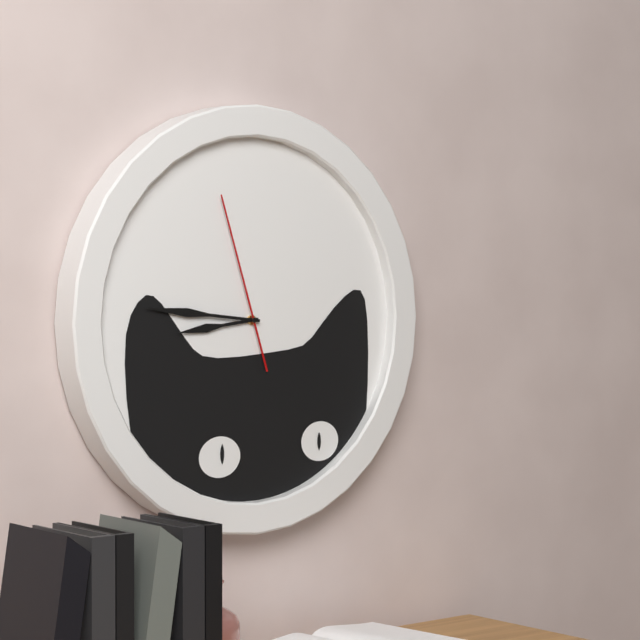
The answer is 8:46:57
